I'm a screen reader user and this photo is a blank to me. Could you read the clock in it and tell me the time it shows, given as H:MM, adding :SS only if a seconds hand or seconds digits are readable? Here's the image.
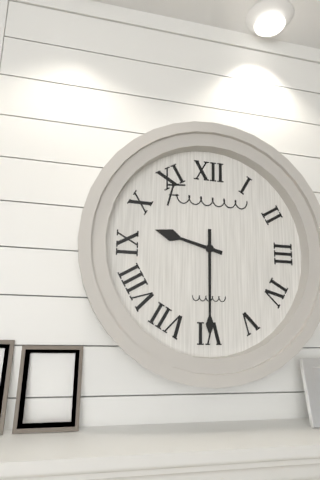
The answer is 9:30
